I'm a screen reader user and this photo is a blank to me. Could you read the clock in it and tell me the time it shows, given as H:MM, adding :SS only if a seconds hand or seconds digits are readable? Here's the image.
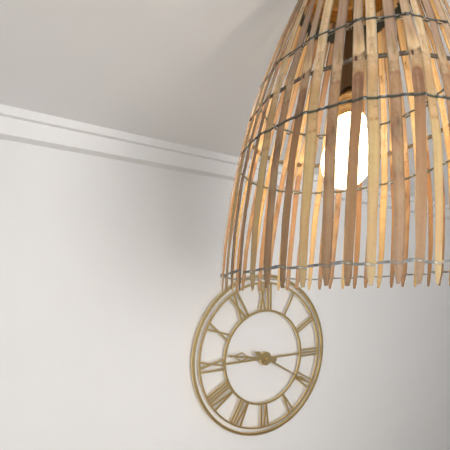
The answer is 9:20
